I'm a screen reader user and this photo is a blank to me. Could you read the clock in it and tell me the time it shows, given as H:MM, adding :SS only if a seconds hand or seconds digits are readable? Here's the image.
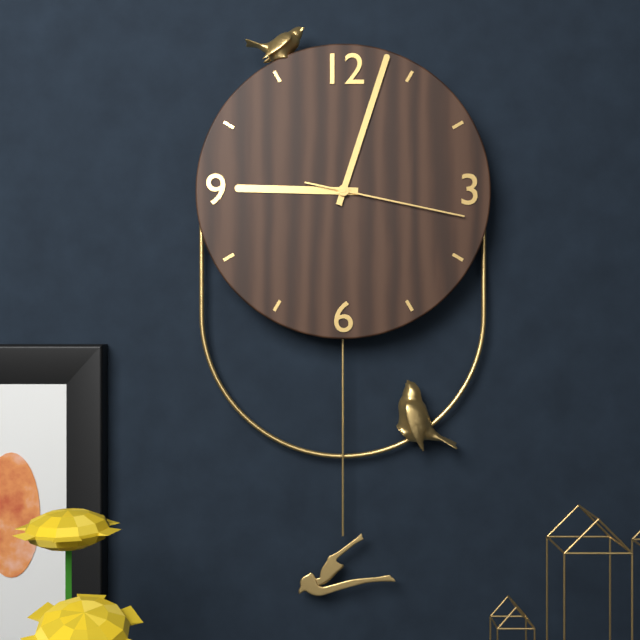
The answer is 9:03:17
